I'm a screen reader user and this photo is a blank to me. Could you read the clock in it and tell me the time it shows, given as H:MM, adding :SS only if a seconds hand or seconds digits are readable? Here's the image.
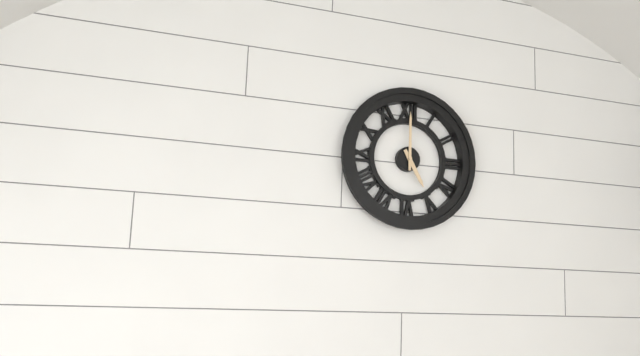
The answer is 5:00
